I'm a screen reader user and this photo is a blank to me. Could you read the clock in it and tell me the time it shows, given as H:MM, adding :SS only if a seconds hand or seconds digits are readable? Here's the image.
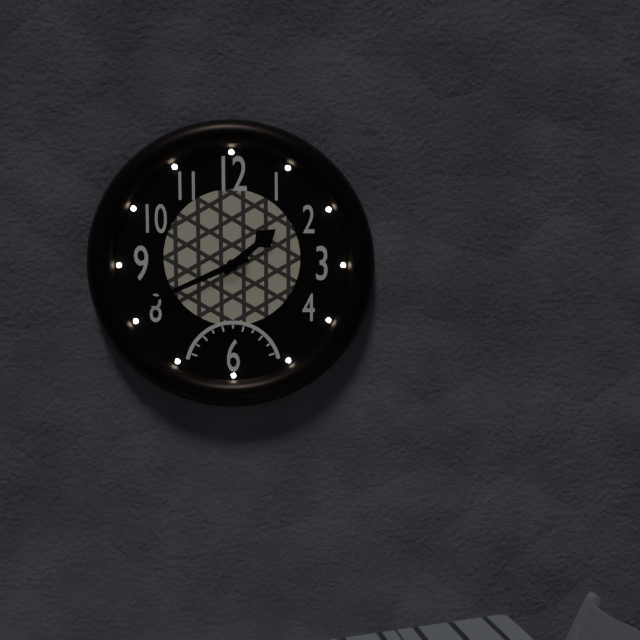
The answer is 1:41
